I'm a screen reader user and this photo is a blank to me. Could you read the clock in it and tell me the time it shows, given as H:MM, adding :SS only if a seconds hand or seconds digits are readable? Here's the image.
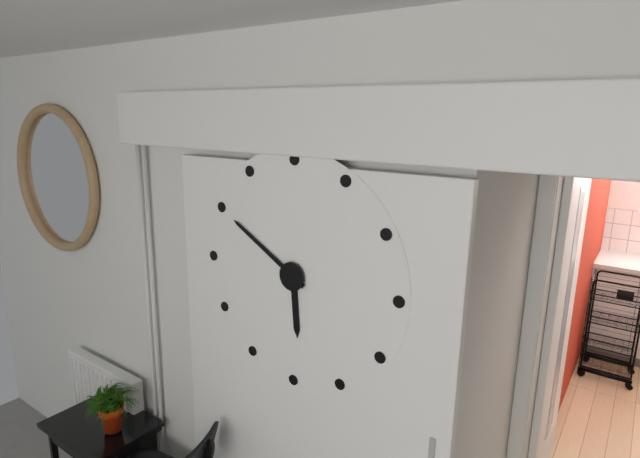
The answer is 5:50
